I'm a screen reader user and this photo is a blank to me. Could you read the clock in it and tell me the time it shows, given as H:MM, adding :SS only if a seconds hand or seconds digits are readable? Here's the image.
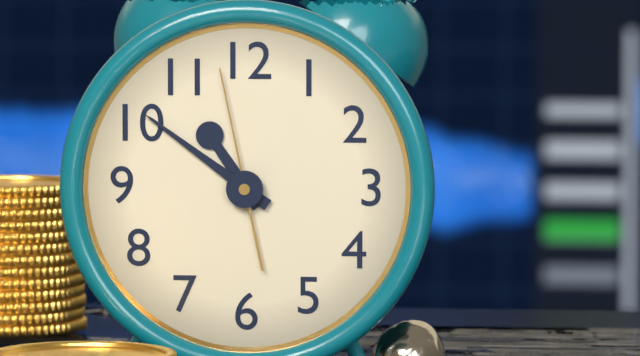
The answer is 10:51:58
